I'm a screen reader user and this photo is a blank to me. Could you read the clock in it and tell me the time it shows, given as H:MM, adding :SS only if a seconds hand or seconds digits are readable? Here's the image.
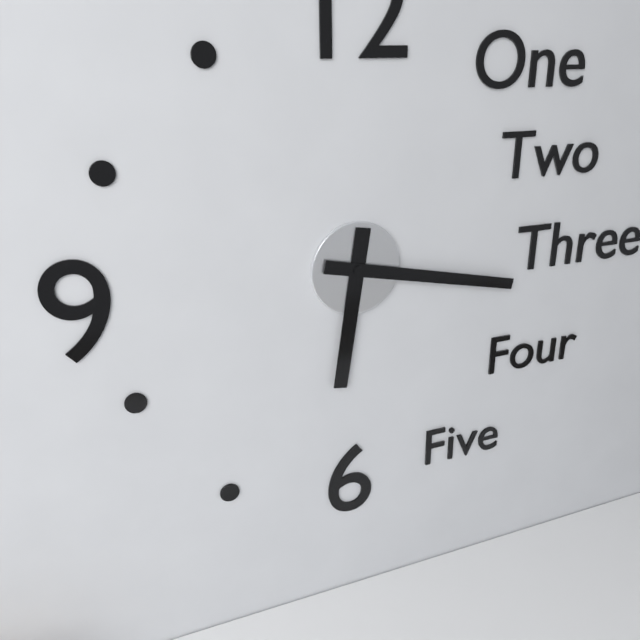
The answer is 6:17
